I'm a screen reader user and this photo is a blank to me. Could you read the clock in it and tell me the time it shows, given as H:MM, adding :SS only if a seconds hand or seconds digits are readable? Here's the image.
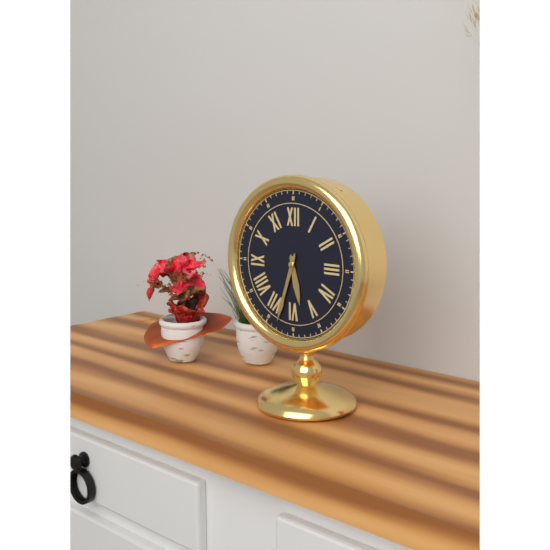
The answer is 5:33
